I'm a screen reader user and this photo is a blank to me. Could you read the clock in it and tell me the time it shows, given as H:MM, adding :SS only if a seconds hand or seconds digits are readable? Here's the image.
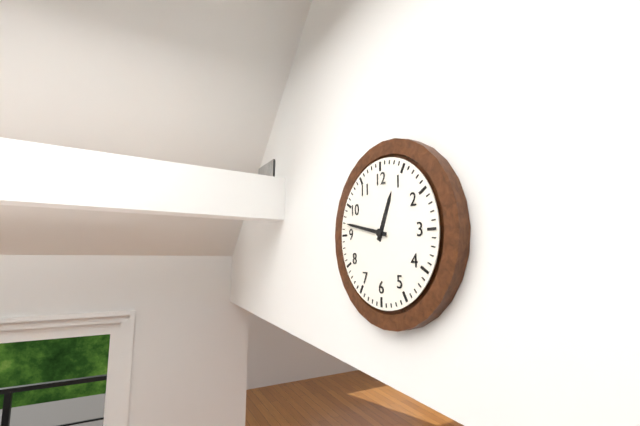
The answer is 12:47
